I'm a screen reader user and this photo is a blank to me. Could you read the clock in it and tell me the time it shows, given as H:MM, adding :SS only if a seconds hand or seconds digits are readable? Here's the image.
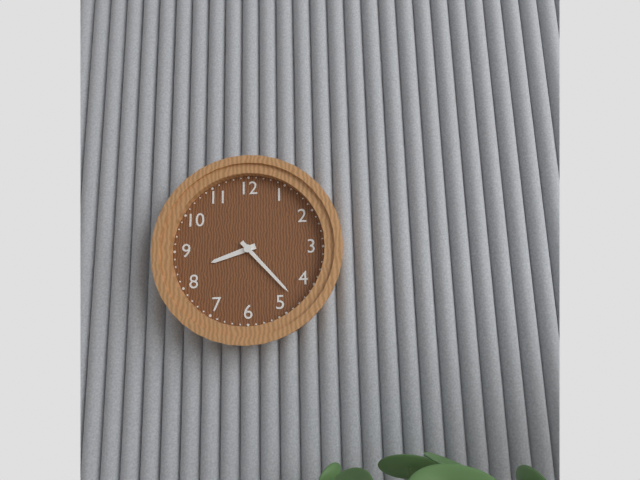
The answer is 8:23
